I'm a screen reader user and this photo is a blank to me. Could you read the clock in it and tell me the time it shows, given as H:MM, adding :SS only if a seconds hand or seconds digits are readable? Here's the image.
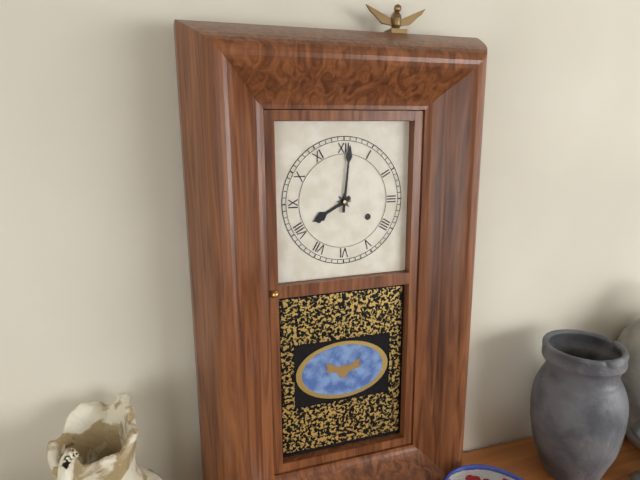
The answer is 8:01
